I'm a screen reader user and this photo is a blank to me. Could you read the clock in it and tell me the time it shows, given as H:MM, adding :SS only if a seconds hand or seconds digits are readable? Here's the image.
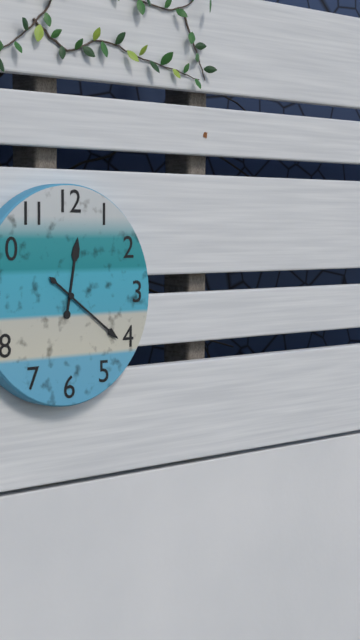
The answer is 12:21
